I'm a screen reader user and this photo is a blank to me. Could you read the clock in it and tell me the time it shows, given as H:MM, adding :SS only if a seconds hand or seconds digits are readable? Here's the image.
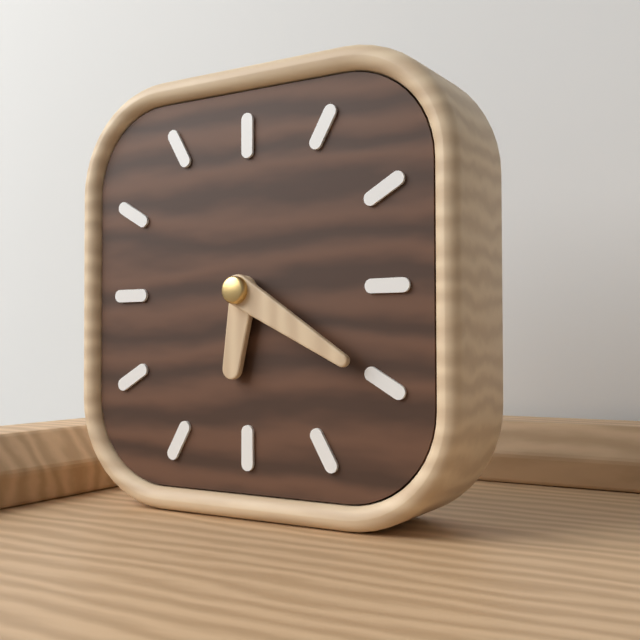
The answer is 6:20
